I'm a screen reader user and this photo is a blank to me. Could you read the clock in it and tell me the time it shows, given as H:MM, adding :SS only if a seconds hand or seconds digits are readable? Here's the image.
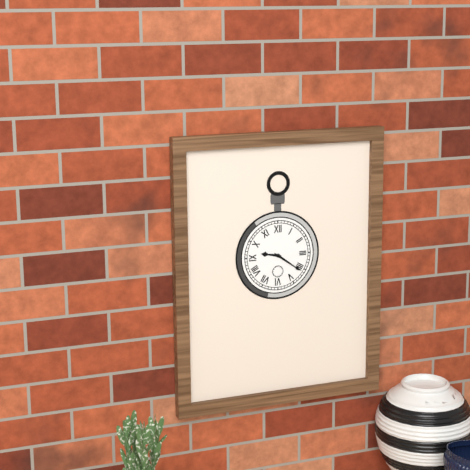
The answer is 9:21
